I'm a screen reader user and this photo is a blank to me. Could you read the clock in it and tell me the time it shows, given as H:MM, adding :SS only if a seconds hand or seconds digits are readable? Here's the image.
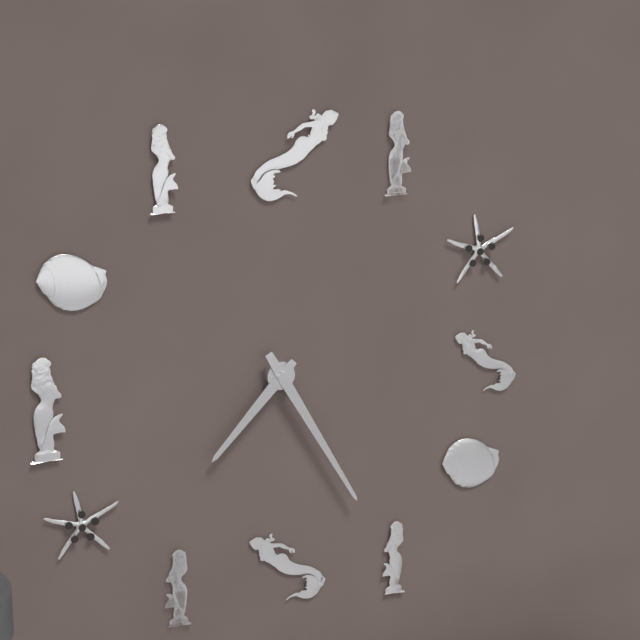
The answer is 7:25
